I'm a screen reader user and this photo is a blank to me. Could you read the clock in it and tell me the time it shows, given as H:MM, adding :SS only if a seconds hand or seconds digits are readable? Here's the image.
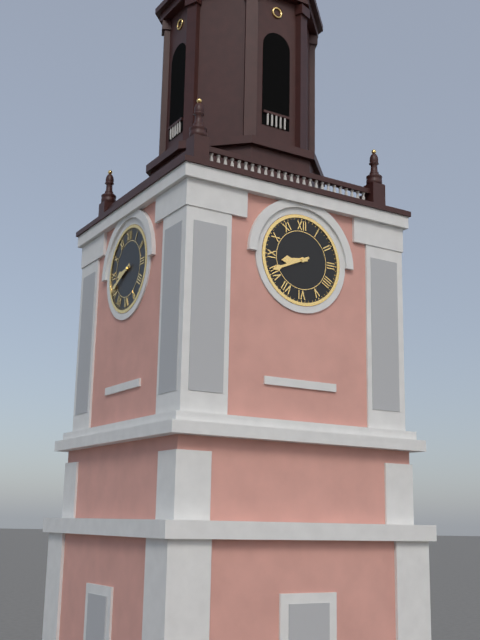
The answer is 8:41
